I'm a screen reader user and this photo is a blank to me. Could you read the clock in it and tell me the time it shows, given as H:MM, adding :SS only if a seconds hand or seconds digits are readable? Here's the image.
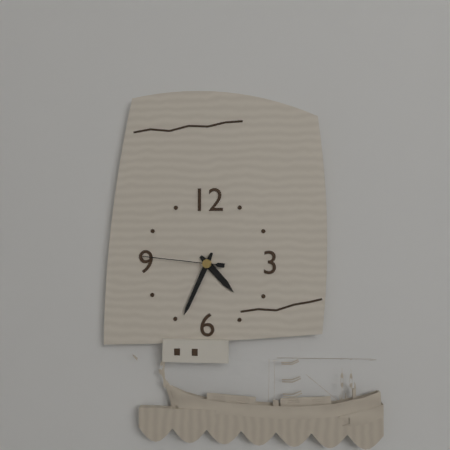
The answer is 4:34:46
